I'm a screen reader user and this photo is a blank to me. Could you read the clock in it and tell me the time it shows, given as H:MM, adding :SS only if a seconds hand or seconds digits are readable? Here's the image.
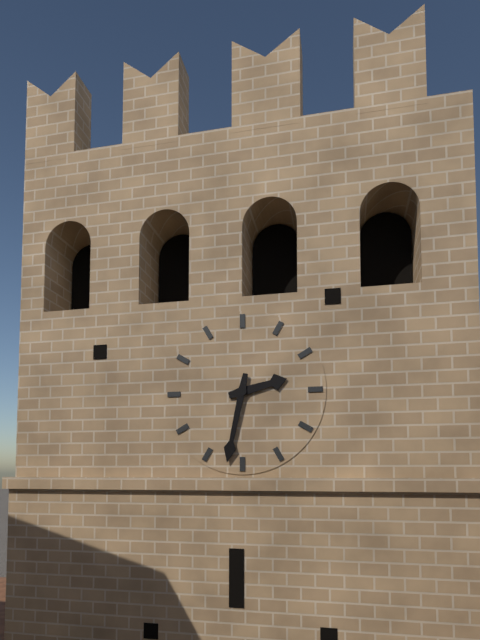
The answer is 2:32
